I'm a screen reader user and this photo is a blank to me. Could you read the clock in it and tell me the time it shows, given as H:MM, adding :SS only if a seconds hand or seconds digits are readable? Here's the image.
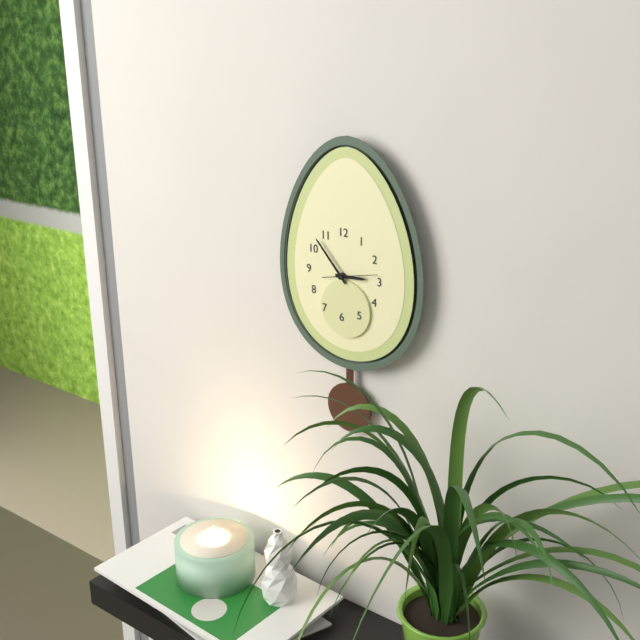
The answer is 2:53
